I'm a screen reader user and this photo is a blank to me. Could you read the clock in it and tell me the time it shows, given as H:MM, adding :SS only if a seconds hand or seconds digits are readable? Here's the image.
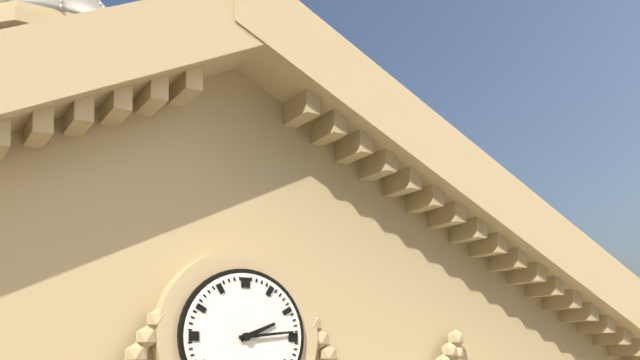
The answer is 2:14
